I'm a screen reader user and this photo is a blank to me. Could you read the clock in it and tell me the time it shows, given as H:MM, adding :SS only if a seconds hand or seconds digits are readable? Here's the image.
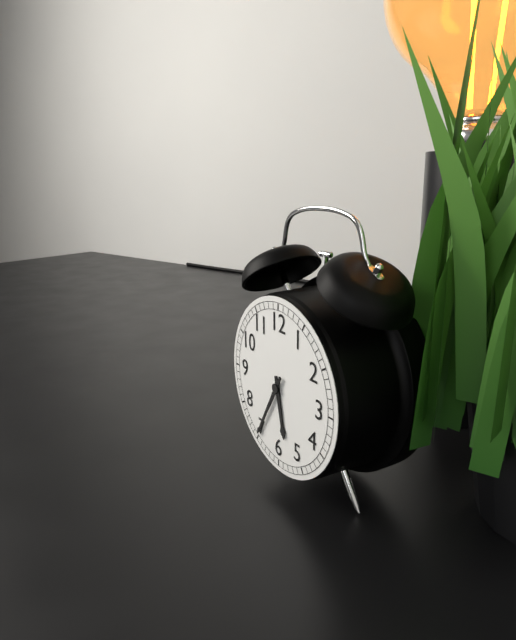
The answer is 5:35
